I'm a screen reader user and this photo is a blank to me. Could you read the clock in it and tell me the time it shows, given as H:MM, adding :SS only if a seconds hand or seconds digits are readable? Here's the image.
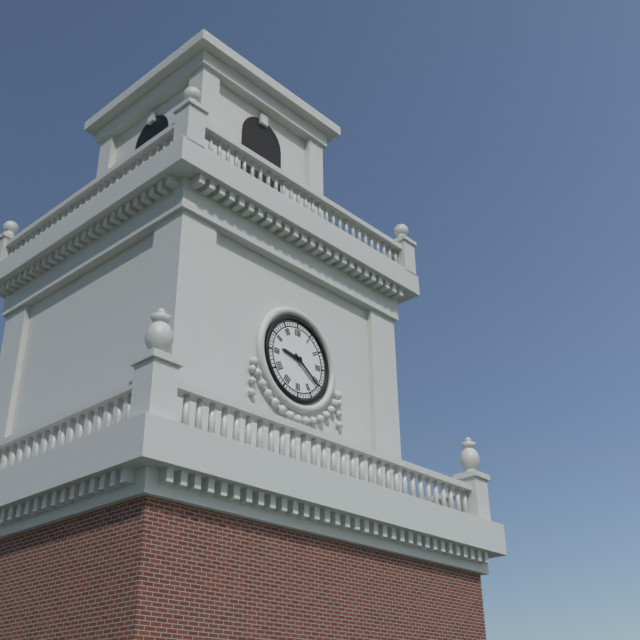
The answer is 9:21
